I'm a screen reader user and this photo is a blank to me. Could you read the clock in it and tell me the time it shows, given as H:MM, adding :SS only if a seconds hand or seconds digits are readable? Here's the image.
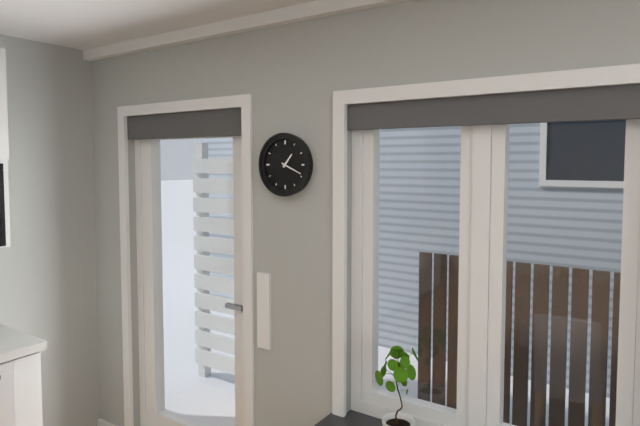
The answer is 1:19
